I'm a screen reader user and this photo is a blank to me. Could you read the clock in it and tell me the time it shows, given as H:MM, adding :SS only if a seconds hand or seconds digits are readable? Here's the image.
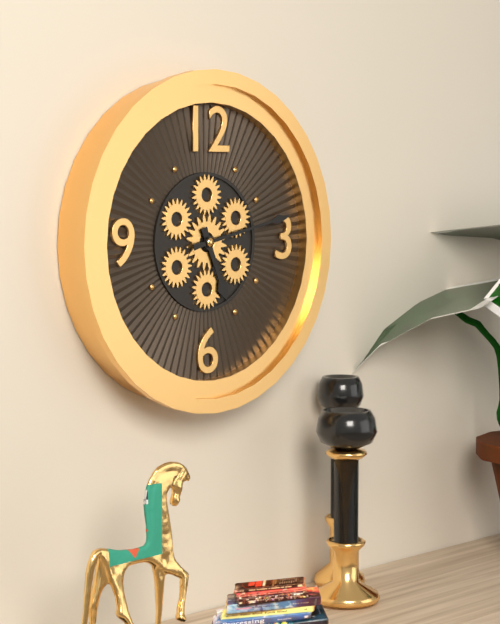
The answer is 5:13
